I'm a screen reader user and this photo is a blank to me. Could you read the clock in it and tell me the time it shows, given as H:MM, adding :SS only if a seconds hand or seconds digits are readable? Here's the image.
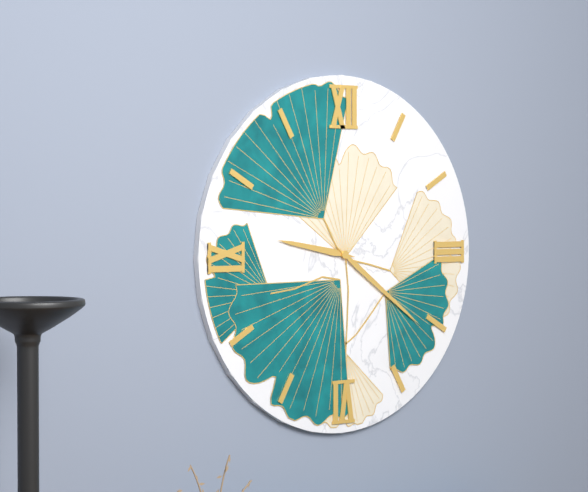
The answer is 9:21
